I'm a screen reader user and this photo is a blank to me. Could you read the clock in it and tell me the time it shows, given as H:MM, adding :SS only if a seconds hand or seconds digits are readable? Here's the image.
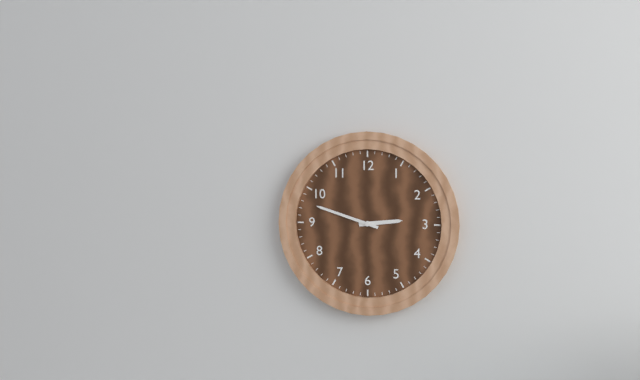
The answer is 2:48
